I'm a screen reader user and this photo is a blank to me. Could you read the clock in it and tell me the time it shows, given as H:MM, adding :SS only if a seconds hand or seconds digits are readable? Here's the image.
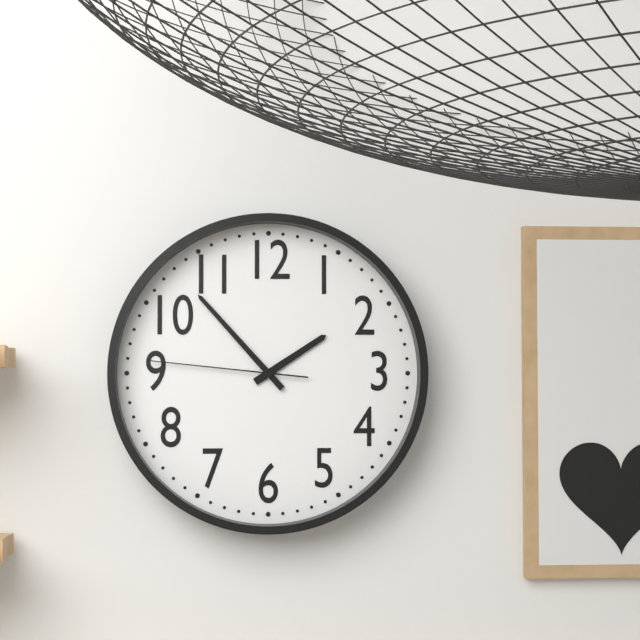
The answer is 1:53:46
